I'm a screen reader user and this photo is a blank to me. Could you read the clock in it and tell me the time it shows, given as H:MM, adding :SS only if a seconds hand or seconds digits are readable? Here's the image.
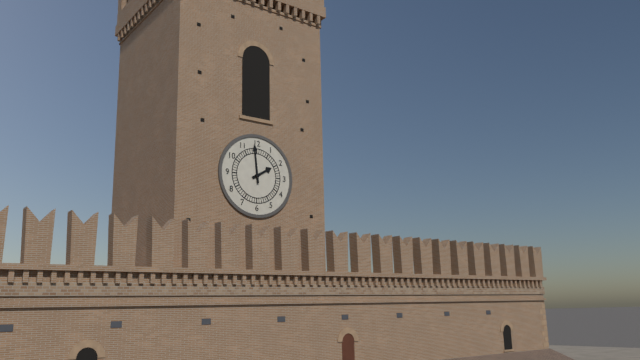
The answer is 1:59
